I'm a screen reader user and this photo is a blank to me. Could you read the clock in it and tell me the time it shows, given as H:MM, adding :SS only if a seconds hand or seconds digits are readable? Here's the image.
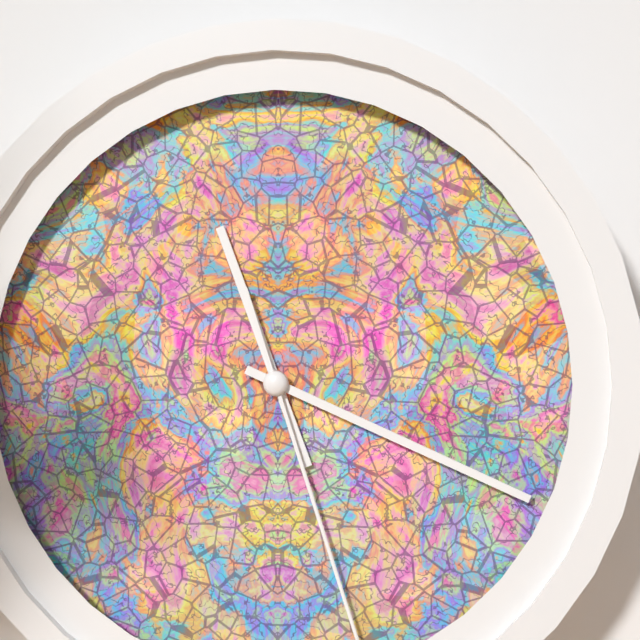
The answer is 11:19
